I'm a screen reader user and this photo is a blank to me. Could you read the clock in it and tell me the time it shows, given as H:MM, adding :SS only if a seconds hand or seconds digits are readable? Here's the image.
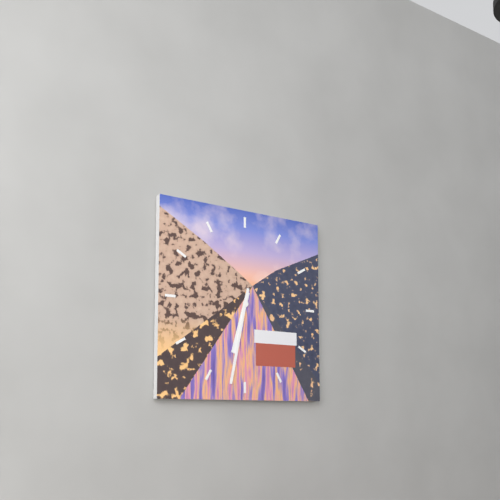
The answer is 6:32
